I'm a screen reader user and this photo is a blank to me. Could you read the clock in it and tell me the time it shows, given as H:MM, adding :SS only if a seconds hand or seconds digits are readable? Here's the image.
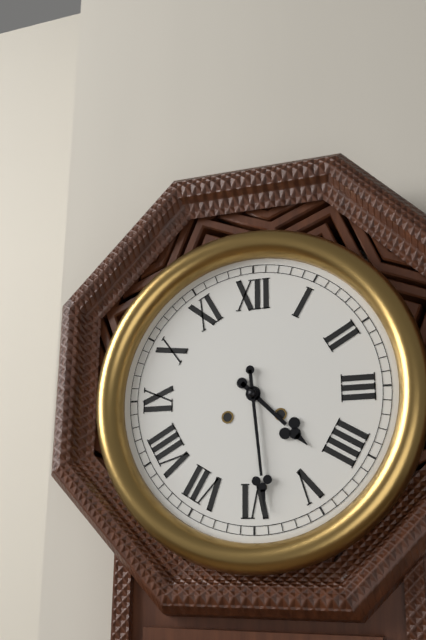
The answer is 4:29
